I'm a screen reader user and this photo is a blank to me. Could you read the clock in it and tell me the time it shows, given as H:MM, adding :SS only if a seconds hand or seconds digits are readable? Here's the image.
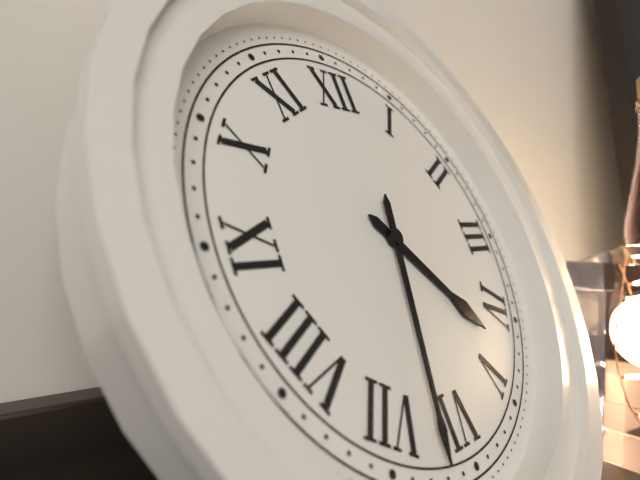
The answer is 4:32
